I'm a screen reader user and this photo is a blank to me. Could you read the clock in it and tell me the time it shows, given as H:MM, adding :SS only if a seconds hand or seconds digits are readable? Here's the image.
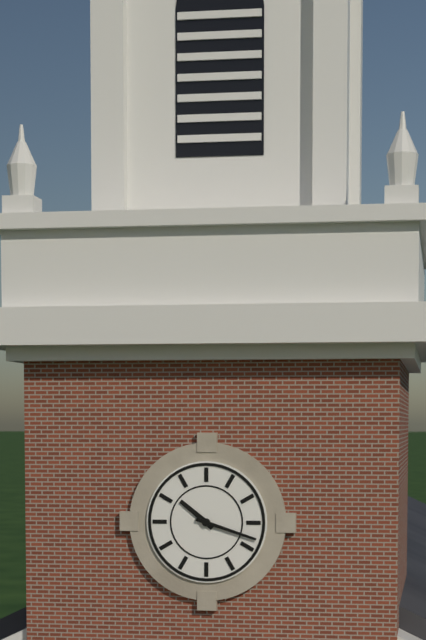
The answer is 10:18
